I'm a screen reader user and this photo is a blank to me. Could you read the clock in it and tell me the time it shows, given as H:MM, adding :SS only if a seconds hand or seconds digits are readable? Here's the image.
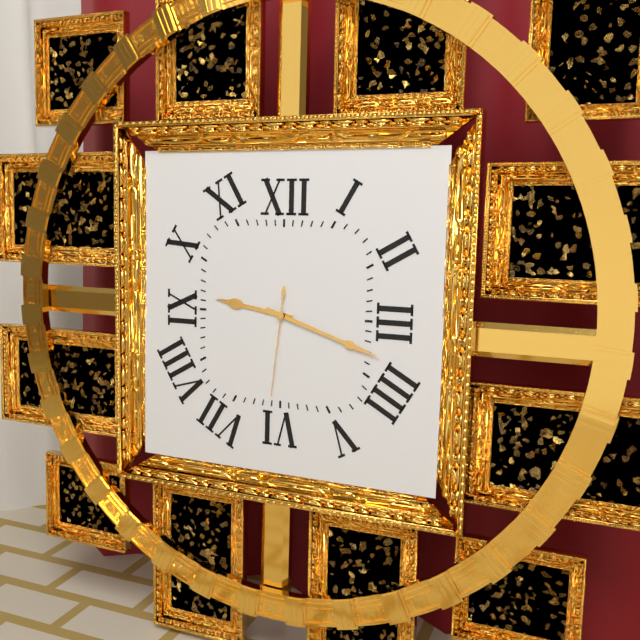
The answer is 9:18:31
